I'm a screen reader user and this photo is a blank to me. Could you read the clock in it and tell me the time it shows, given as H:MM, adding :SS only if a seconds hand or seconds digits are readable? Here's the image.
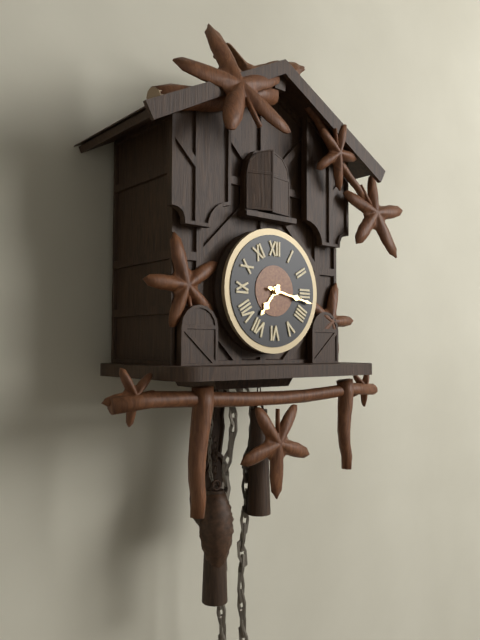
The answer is 7:17
